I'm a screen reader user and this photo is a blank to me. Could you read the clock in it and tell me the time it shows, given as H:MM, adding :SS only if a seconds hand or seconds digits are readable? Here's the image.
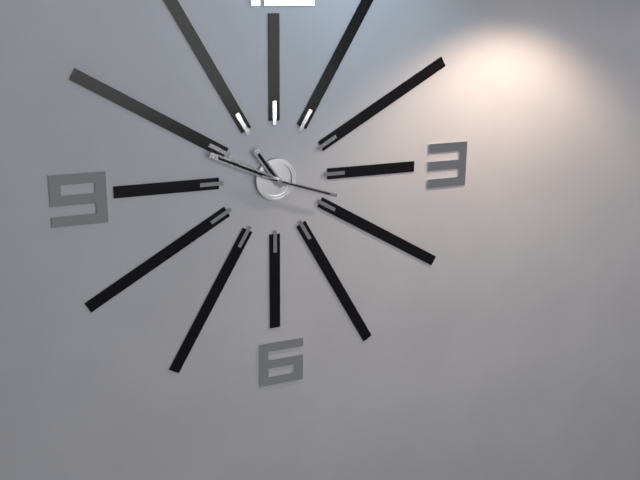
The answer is 10:49:18
